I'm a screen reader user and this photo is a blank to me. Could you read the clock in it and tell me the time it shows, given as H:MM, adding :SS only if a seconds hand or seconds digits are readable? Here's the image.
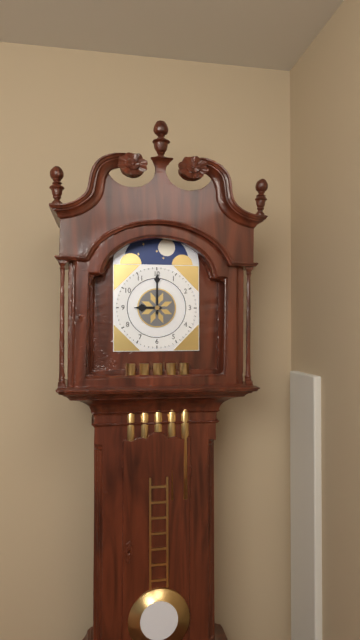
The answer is 9:00
